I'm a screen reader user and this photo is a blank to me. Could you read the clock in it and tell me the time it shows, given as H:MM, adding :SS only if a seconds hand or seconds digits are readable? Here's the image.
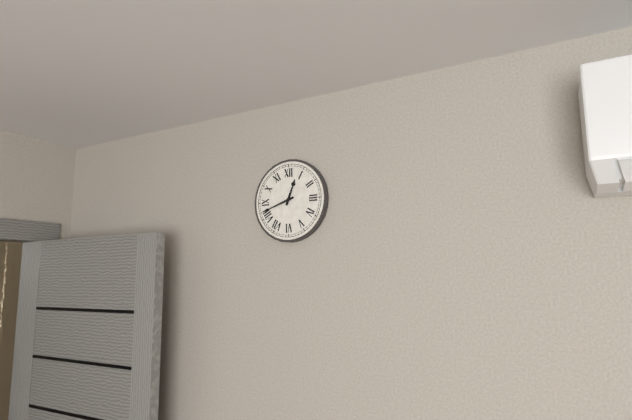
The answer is 12:42
